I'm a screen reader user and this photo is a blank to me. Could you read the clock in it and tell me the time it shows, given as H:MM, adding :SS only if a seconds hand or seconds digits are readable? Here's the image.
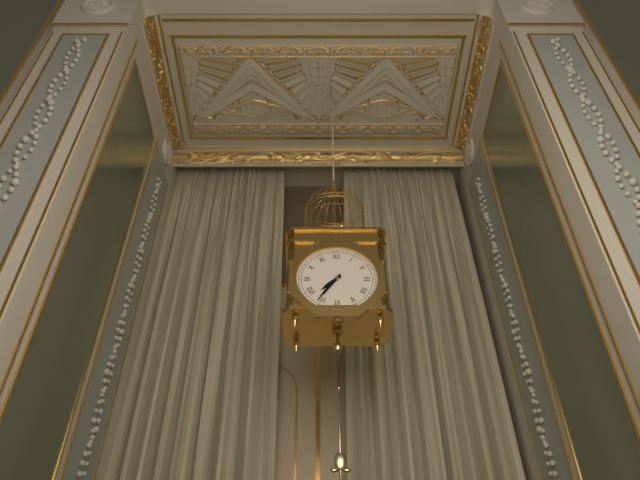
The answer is 7:36
